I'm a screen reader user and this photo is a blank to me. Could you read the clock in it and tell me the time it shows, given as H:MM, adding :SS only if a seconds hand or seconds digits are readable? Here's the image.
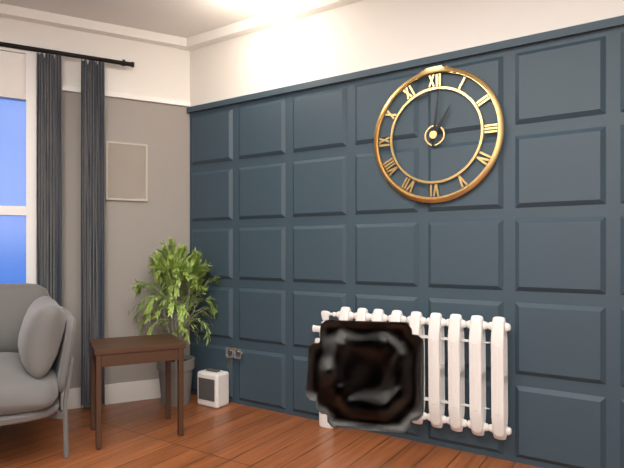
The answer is 1:01
